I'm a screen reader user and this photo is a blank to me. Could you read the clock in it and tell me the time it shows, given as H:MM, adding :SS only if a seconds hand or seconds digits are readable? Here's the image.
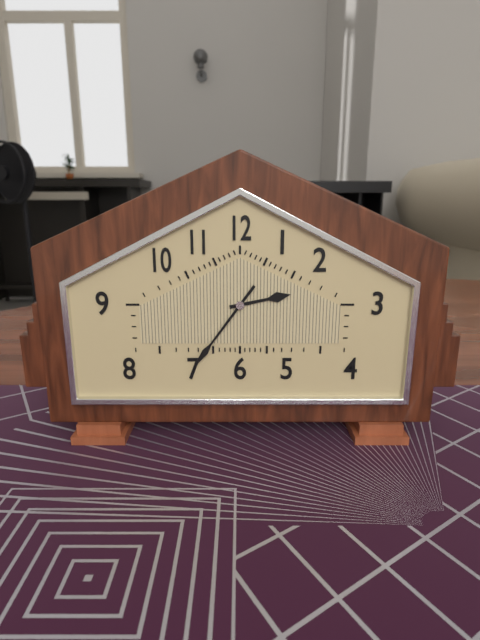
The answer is 2:36
